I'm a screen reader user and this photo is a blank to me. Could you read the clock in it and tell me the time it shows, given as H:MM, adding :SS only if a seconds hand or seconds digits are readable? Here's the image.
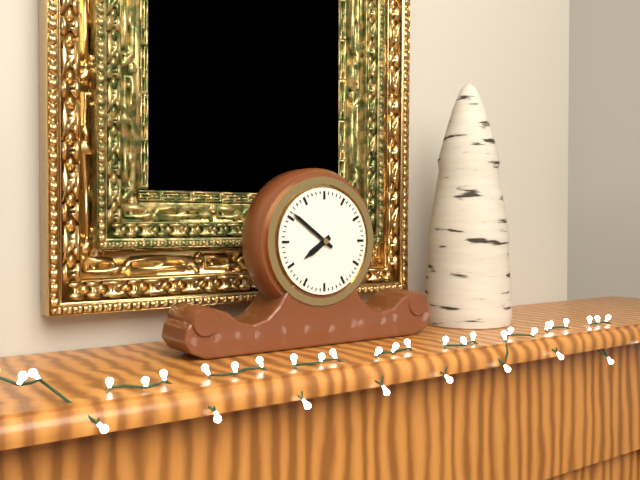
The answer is 7:51
